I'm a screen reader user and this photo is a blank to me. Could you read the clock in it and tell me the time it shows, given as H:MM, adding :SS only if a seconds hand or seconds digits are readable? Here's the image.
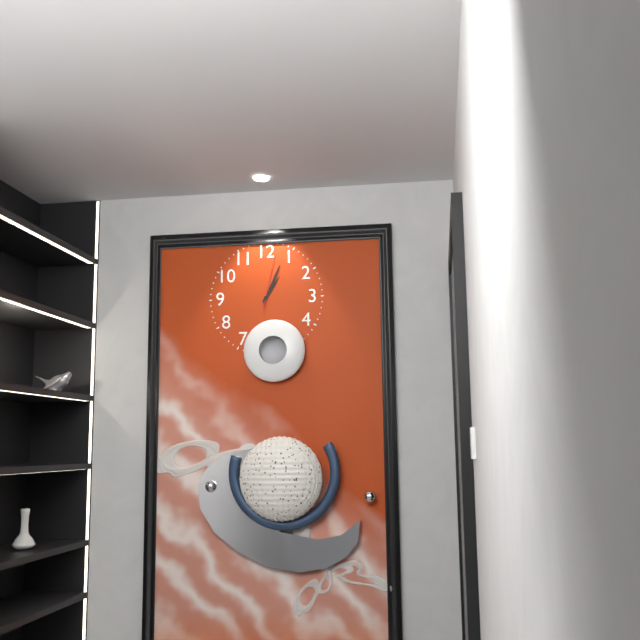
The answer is 1:04:02
